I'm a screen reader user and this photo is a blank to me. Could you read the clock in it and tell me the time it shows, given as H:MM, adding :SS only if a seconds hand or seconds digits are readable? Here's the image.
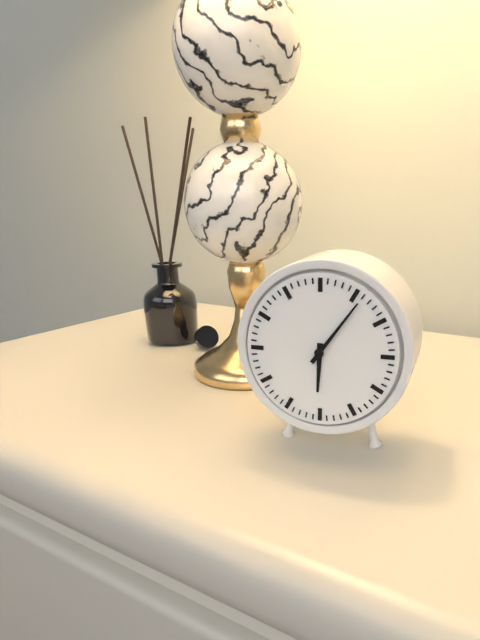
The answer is 6:06
